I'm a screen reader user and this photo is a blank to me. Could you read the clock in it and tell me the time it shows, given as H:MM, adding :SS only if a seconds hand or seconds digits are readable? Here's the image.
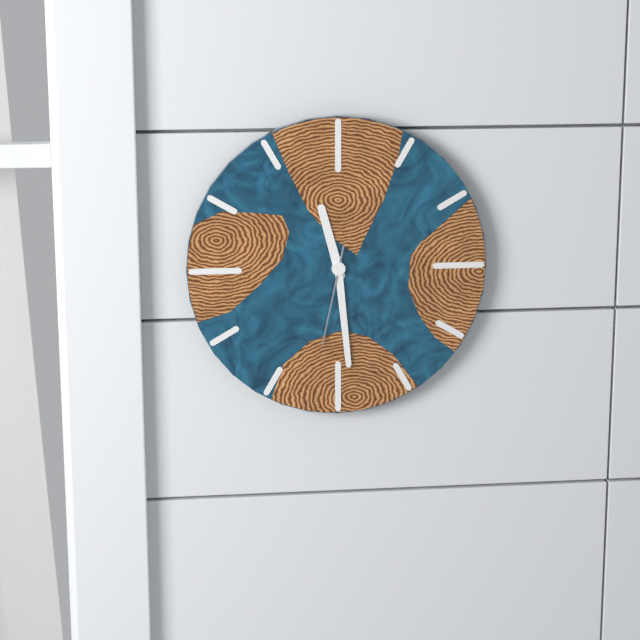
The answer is 11:29:32
